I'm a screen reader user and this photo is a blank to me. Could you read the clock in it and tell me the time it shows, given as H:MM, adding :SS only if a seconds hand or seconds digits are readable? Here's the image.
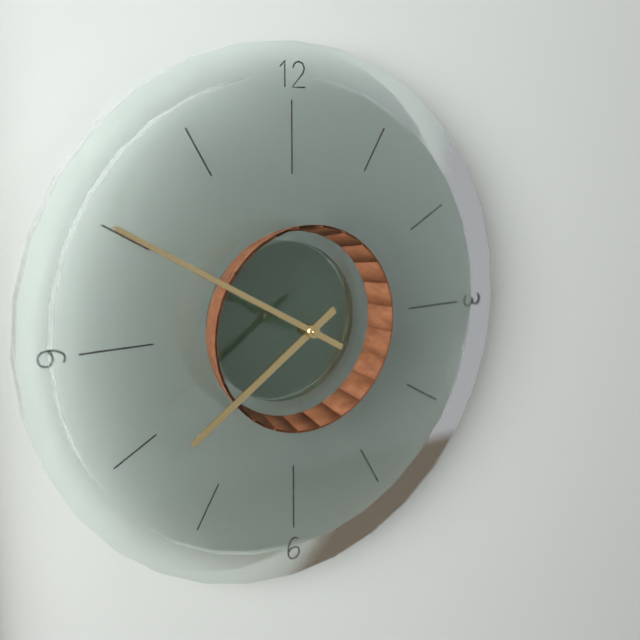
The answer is 7:50
